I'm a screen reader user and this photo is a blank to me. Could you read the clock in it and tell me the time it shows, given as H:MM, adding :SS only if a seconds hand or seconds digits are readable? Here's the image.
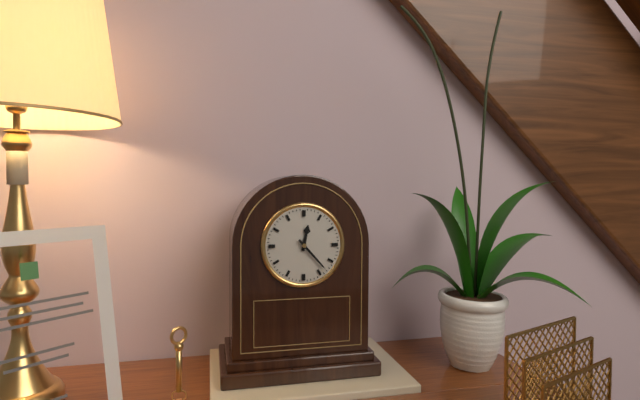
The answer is 12:23
